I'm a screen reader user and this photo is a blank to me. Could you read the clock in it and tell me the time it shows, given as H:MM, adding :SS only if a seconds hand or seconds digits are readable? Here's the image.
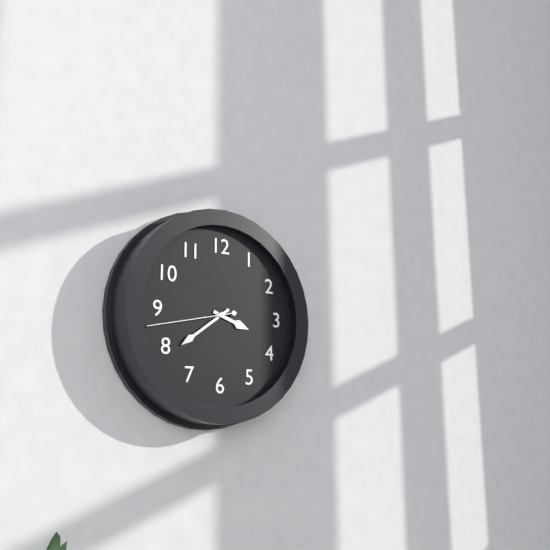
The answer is 3:39:43
